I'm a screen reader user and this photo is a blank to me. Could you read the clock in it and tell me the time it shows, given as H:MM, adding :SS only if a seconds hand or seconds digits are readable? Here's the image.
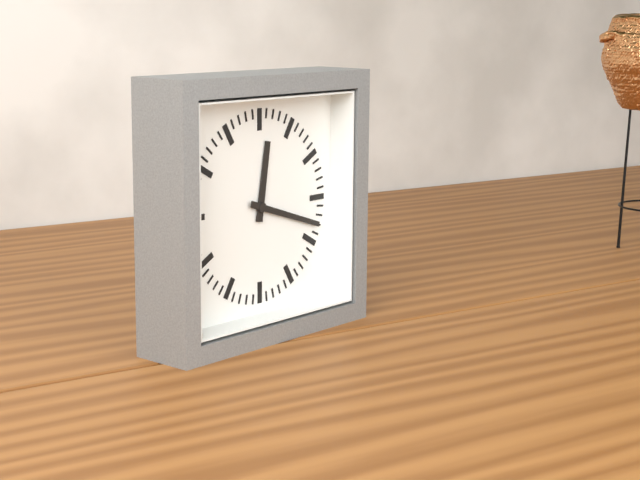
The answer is 12:18
